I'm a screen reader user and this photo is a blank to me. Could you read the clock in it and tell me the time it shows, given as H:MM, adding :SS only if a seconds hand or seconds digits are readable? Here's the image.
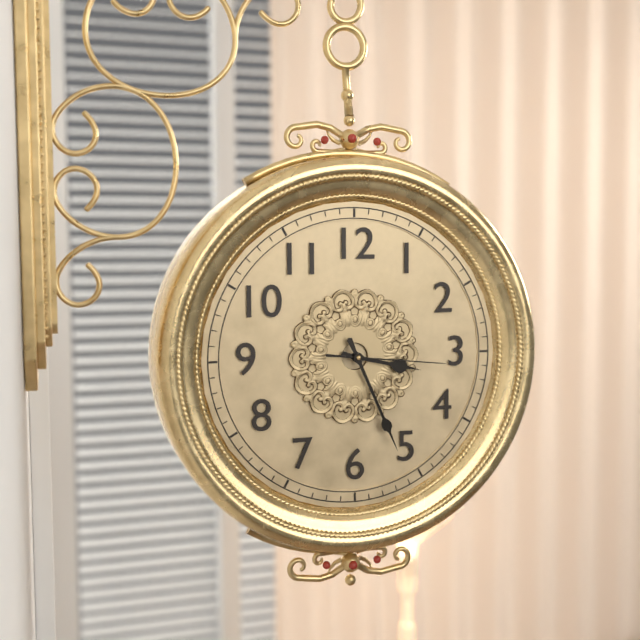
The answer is 3:26:16
